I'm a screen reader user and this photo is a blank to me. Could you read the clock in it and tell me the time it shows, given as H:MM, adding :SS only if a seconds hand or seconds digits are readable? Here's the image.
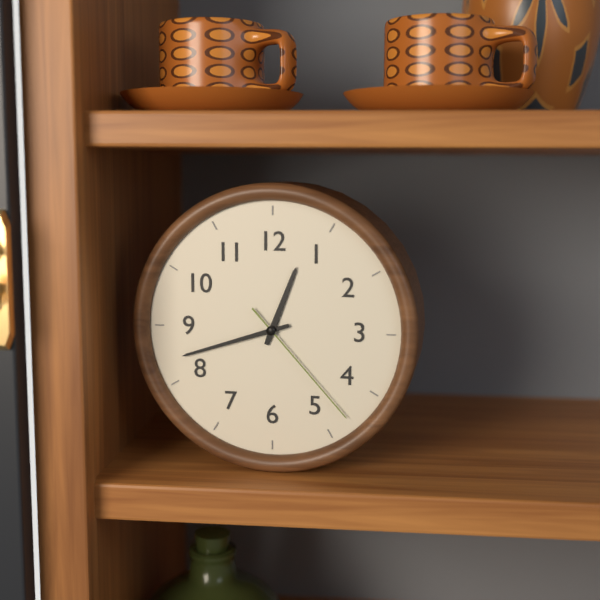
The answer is 12:42:23
